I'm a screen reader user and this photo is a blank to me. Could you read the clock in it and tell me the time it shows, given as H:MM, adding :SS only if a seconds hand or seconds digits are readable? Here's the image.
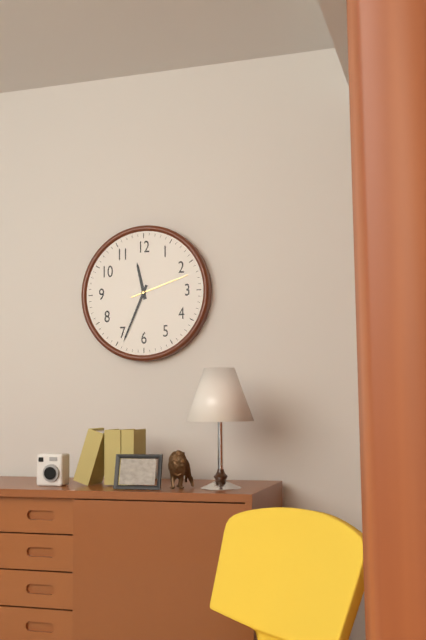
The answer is 11:34:12
